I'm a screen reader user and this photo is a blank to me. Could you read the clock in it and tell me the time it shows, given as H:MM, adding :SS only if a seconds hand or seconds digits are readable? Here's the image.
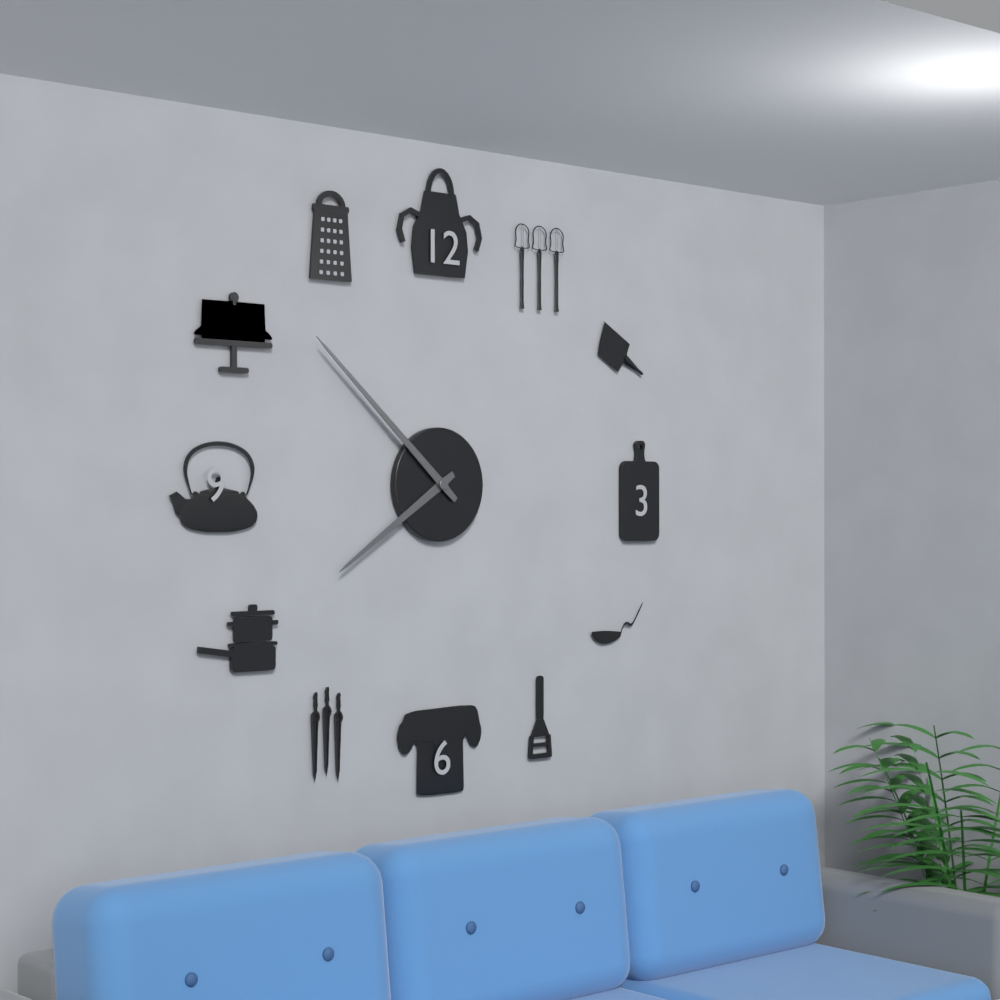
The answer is 7:52
